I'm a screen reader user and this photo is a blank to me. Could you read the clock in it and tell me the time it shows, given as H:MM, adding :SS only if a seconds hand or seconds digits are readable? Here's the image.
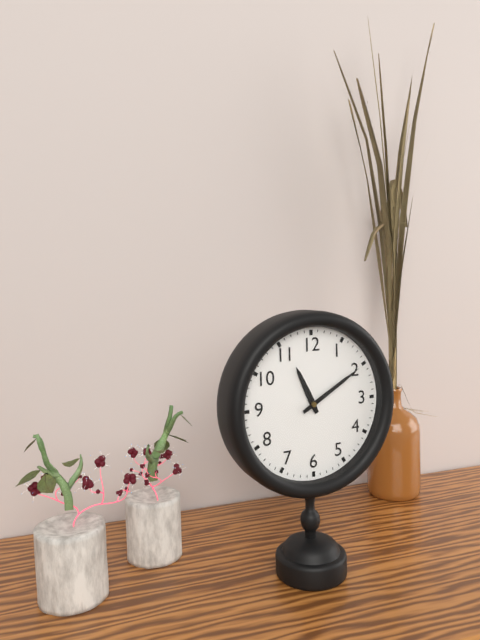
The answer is 11:10
